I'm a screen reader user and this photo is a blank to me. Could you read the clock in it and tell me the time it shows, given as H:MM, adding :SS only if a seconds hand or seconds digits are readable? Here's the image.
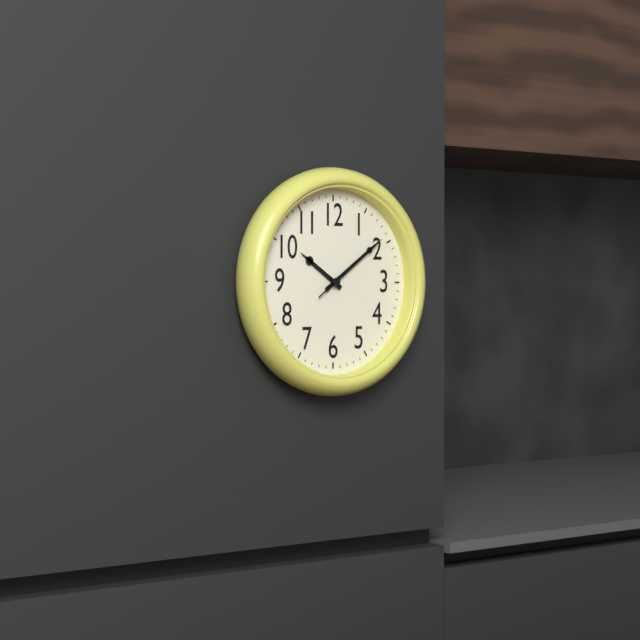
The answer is 10:09:09
